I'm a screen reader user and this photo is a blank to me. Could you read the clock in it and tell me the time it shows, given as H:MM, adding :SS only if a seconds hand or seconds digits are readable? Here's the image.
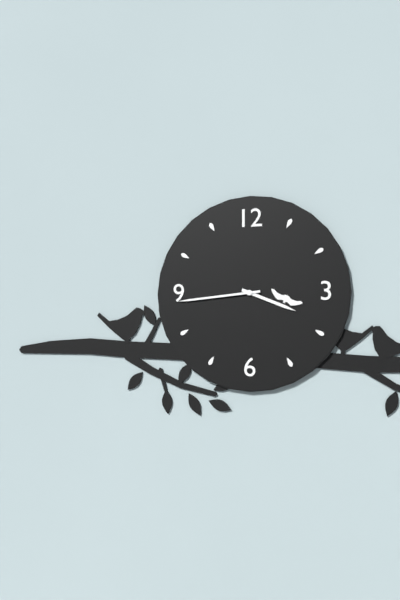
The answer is 3:44
